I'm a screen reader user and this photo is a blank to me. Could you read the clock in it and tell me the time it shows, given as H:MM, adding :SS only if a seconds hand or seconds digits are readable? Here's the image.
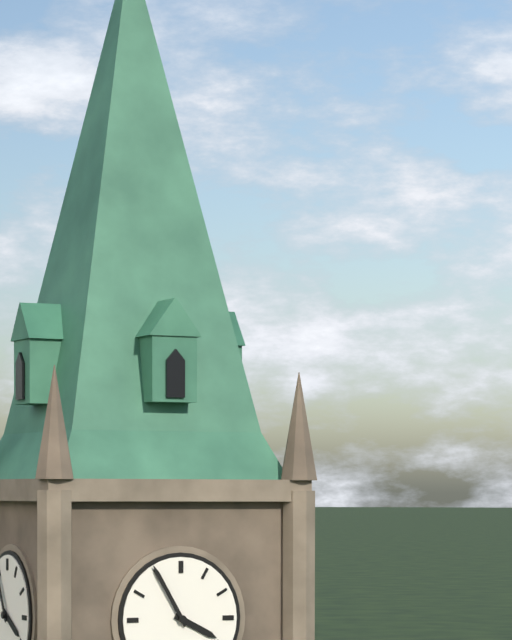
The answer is 3:55
